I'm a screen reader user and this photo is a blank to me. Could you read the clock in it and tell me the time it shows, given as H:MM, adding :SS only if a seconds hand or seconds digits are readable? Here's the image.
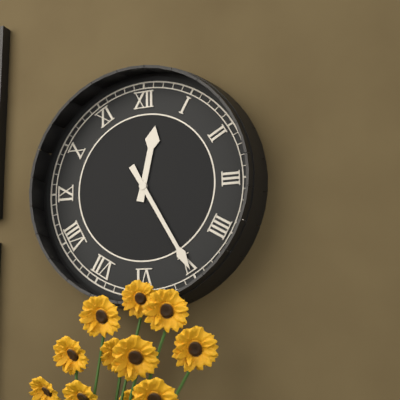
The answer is 12:25
